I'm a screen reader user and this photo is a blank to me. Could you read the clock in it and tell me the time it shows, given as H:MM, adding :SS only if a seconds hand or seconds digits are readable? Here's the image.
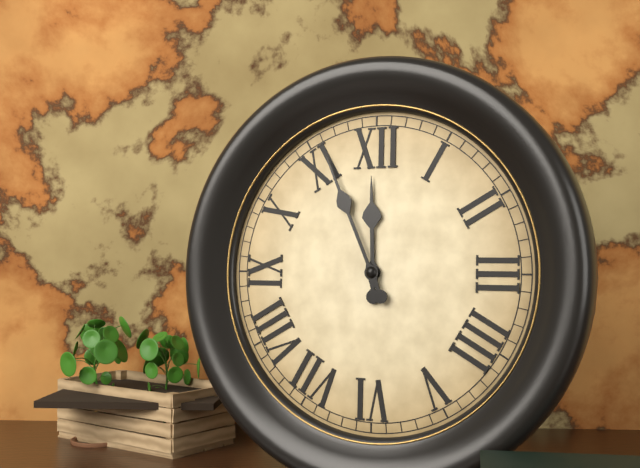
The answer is 11:56
